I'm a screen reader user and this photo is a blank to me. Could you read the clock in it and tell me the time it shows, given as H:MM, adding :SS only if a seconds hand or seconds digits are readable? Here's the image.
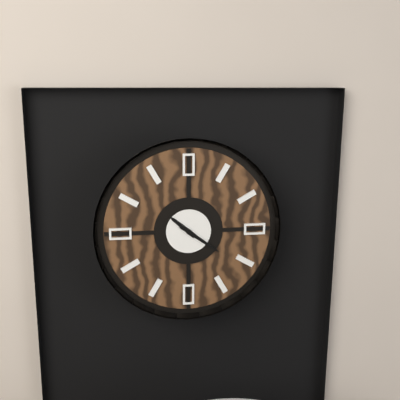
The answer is 10:21
